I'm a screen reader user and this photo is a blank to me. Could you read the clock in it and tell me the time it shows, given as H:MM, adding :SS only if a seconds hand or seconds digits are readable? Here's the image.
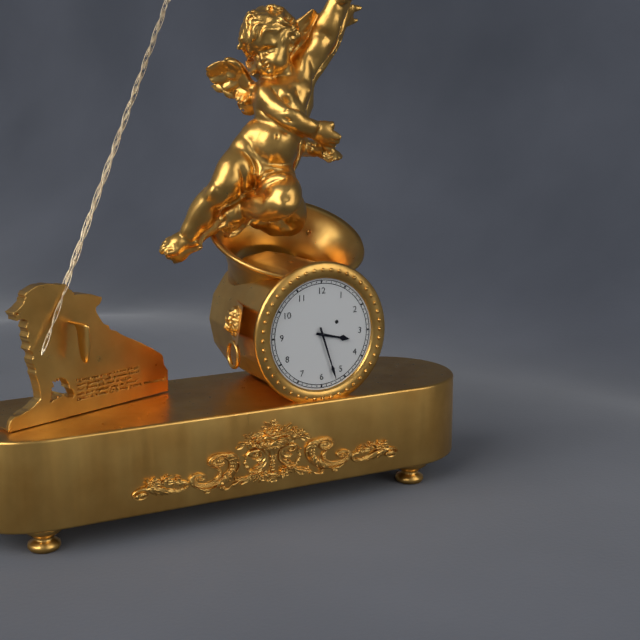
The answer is 3:27
